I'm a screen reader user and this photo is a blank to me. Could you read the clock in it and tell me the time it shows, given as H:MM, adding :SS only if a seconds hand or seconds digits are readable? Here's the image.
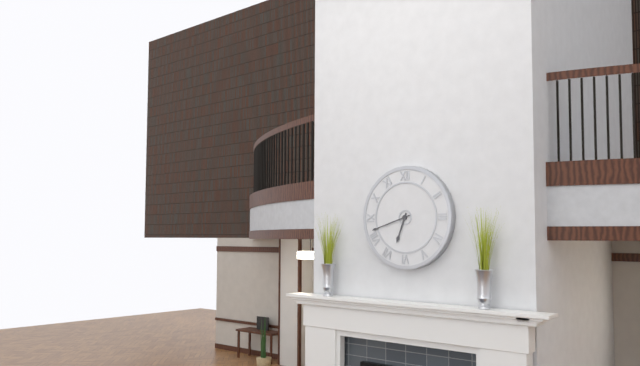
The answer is 6:42
